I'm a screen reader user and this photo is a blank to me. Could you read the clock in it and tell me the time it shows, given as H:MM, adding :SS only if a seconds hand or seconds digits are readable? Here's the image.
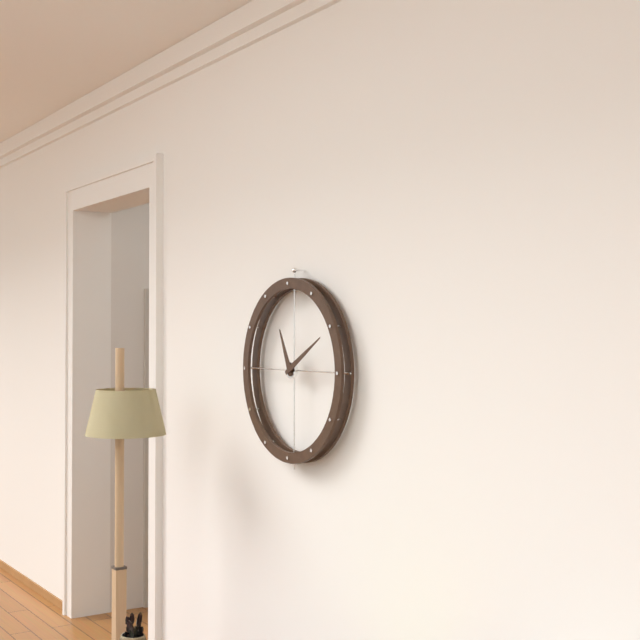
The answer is 11:10
